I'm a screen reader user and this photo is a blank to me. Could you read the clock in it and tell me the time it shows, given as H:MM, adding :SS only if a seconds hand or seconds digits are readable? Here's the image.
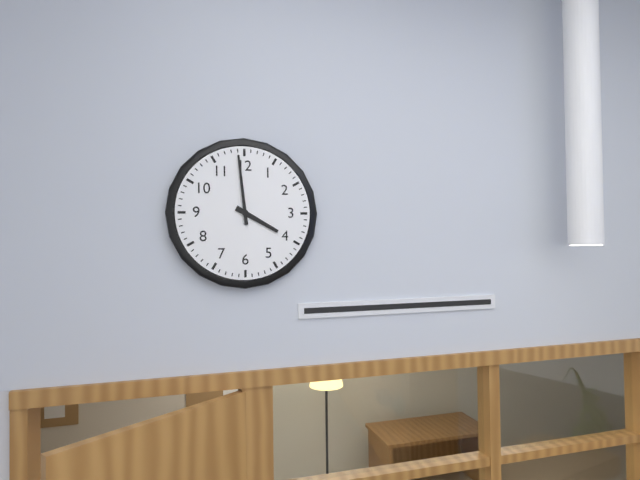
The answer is 3:59
